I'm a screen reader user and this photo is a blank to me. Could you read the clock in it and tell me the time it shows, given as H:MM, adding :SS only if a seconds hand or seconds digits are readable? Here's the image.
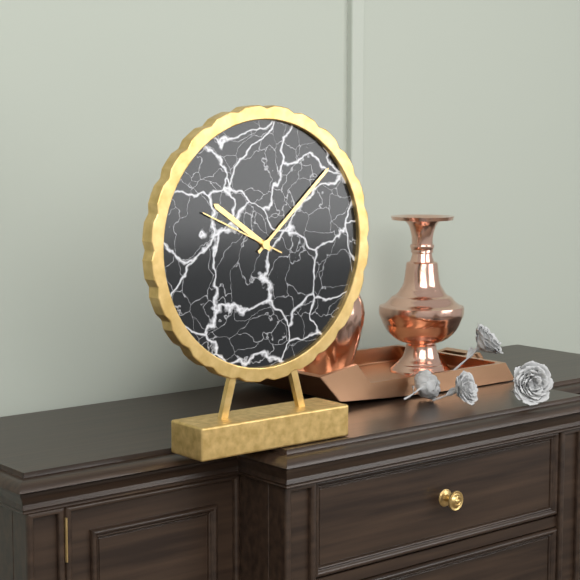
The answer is 10:08:49
